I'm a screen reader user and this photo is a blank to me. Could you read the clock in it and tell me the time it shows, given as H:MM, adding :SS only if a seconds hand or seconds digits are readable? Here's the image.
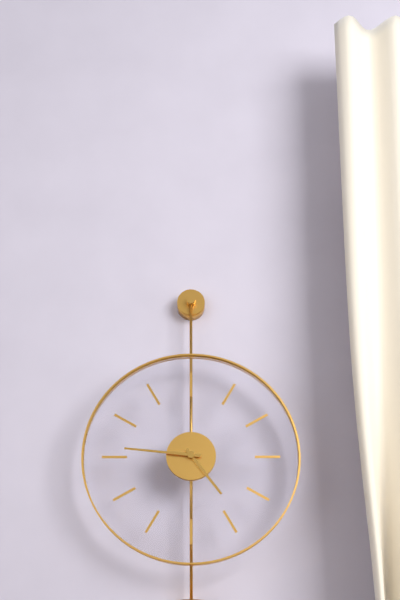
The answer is 4:46
